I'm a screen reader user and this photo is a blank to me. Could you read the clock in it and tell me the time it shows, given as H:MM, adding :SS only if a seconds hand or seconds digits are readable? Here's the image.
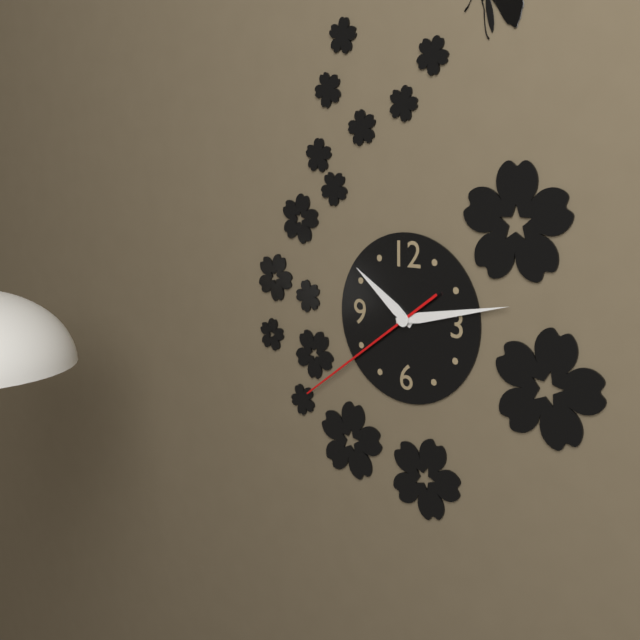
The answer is 10:13:39
